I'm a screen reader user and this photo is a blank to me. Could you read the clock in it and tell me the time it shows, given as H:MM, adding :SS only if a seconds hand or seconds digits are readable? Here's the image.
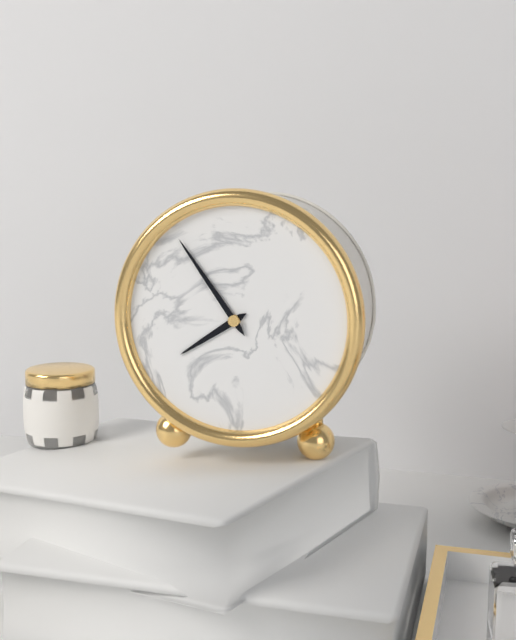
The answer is 7:54
